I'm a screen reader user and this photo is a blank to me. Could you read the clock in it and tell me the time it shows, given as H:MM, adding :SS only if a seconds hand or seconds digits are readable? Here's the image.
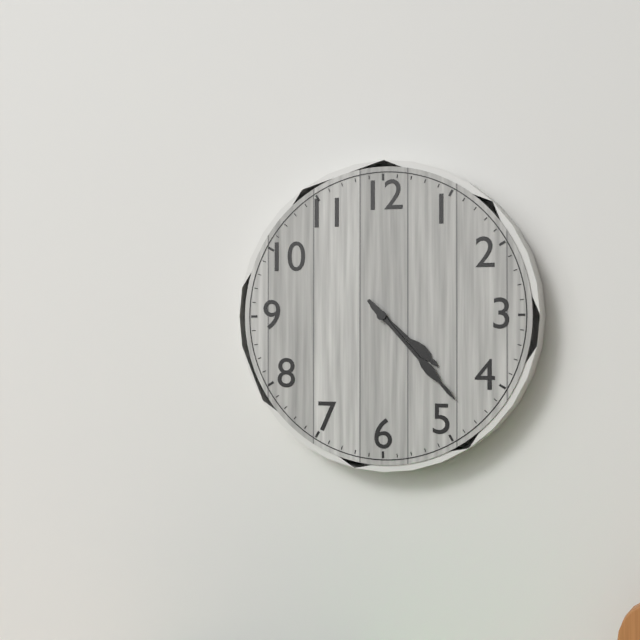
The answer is 4:23
